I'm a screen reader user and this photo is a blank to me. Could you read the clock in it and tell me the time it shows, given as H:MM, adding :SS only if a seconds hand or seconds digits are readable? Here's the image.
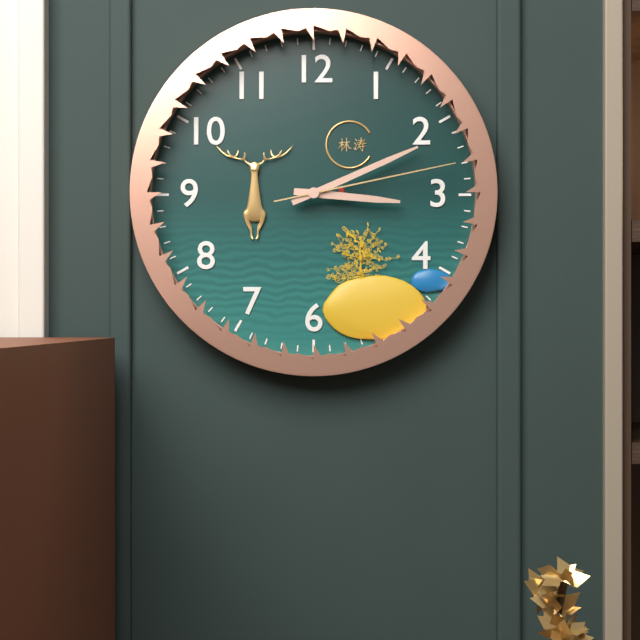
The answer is 3:11:13
